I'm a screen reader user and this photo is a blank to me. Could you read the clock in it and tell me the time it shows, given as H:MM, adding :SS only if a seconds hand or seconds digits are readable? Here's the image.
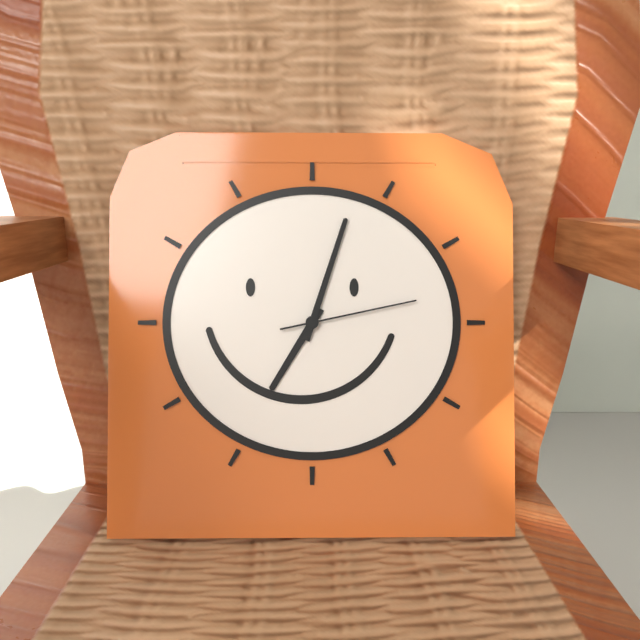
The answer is 7:03:13
